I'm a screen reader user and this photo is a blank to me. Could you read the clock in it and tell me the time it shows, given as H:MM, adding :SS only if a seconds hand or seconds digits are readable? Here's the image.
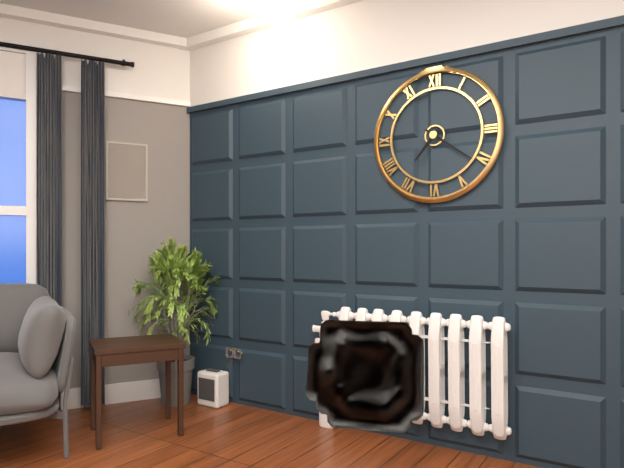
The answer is 7:21
